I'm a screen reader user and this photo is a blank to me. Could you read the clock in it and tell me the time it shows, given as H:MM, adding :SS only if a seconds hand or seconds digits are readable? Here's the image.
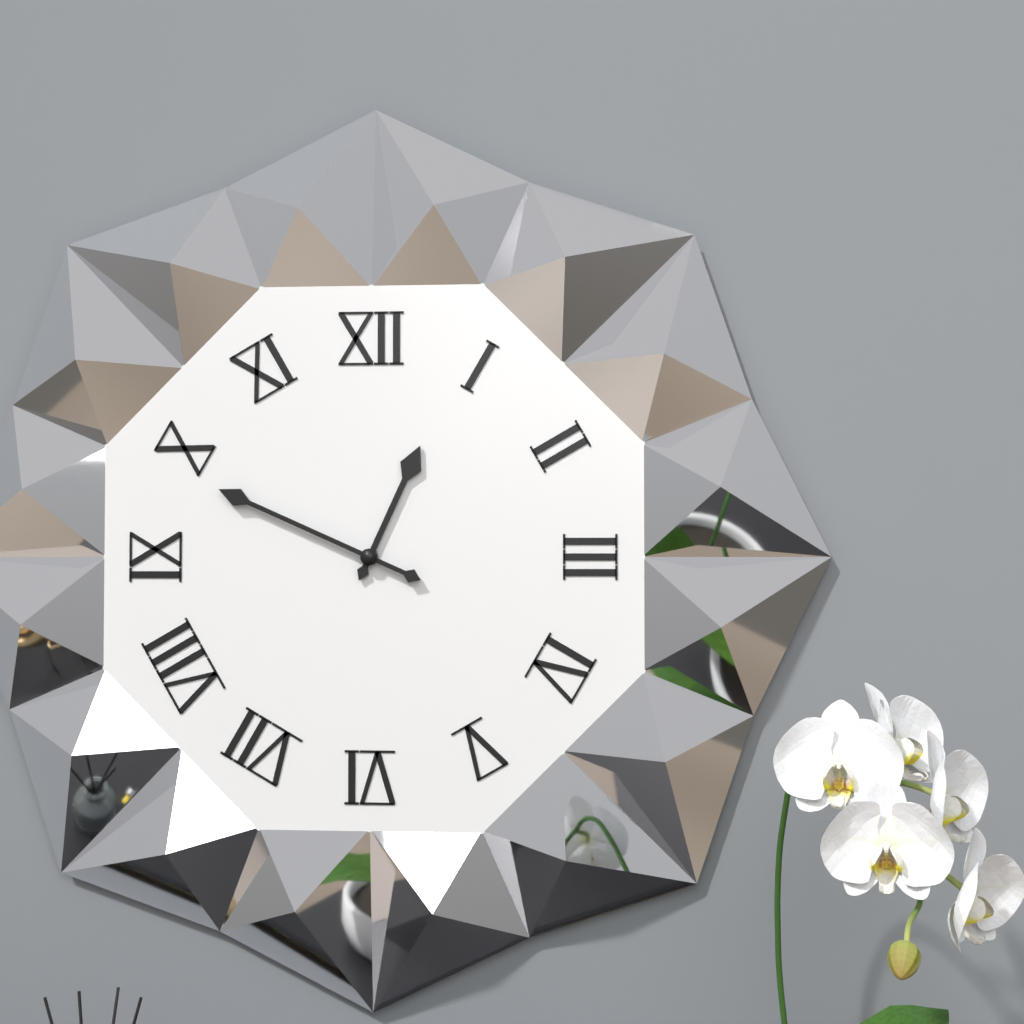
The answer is 12:49
